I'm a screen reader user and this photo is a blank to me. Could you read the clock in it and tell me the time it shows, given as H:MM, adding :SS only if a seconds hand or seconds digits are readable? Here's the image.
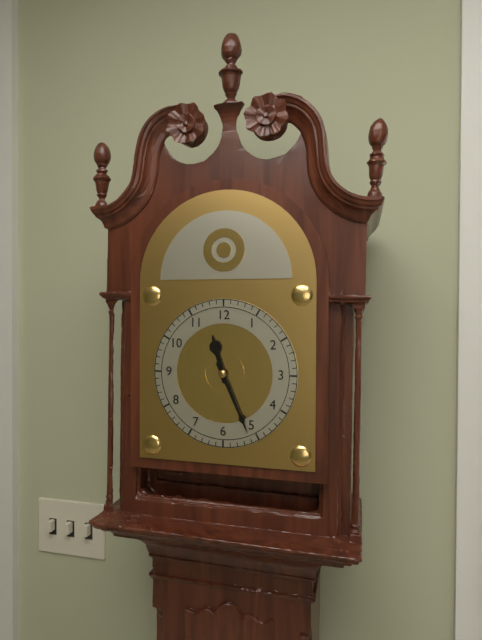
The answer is 11:26
